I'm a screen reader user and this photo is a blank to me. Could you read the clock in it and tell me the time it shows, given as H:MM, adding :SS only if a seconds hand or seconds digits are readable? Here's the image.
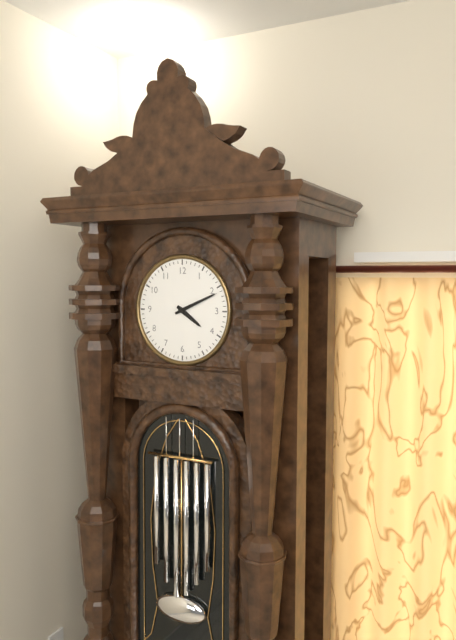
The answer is 4:11
